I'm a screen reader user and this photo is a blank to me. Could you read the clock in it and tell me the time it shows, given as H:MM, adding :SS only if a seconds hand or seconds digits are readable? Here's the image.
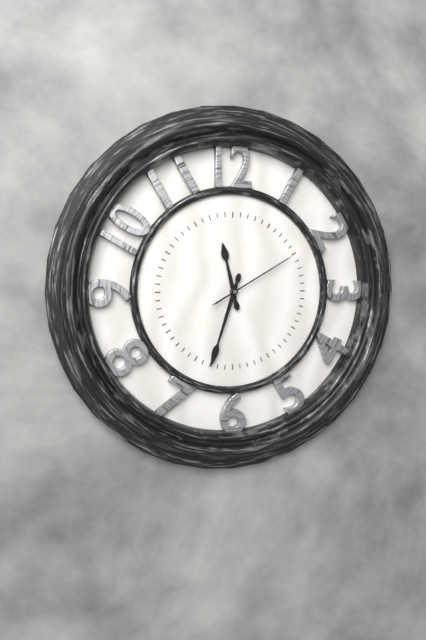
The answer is 11:33:10
